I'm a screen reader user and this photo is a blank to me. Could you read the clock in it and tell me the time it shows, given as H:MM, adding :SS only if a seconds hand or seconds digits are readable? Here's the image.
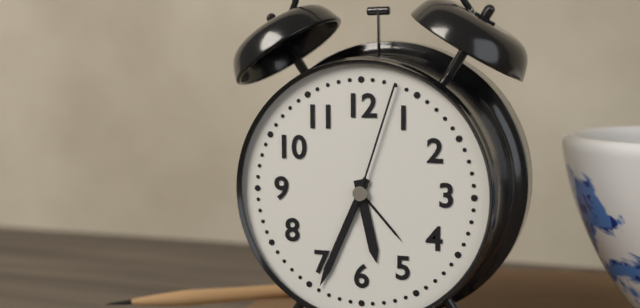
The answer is 5:34:03
